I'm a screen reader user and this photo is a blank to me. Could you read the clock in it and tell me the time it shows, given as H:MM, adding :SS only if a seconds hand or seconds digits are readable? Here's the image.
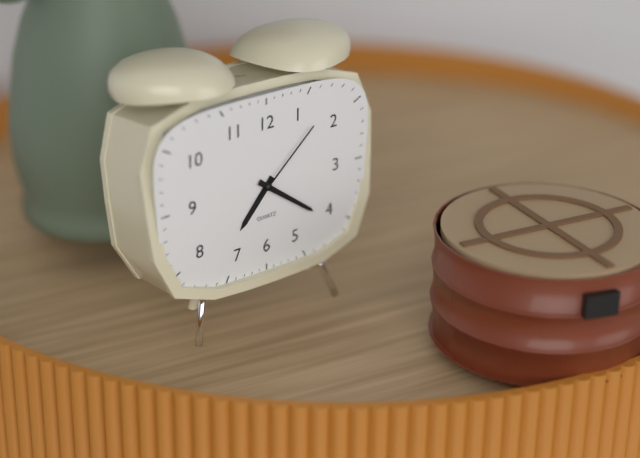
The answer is 7:21:08
